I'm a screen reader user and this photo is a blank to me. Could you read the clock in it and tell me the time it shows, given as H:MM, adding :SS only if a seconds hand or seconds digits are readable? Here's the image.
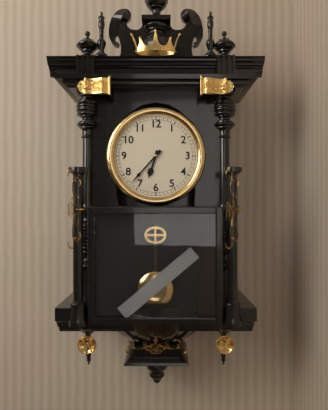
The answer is 6:37
